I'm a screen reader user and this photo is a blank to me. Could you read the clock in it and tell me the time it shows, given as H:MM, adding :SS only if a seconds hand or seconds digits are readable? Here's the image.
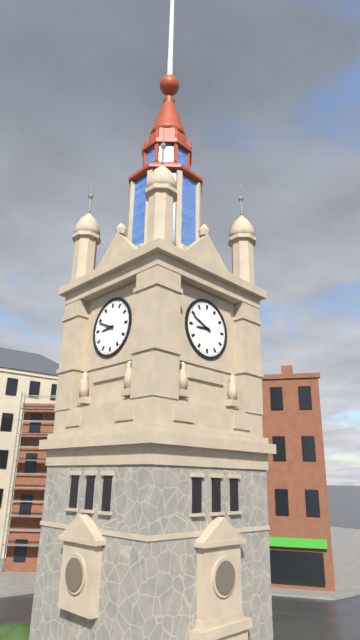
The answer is 8:49
